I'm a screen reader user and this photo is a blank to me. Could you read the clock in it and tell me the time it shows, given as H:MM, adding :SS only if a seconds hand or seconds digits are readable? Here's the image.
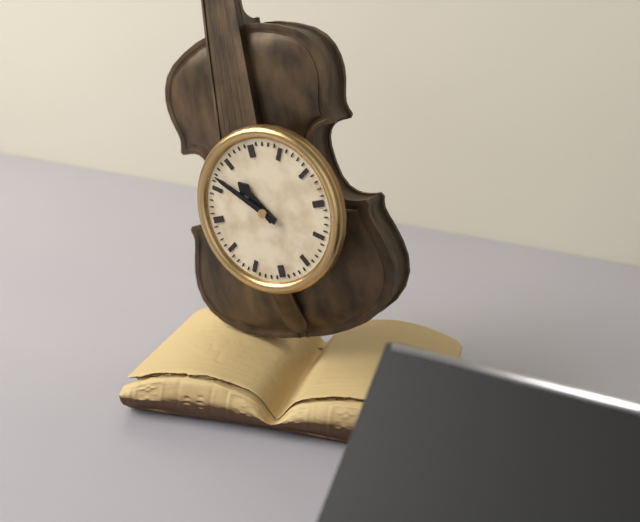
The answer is 10:52
